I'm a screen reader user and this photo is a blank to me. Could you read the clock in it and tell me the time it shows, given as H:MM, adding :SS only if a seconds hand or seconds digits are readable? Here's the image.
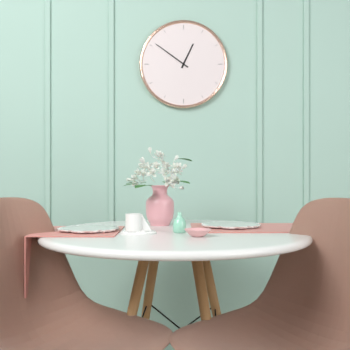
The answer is 12:51
